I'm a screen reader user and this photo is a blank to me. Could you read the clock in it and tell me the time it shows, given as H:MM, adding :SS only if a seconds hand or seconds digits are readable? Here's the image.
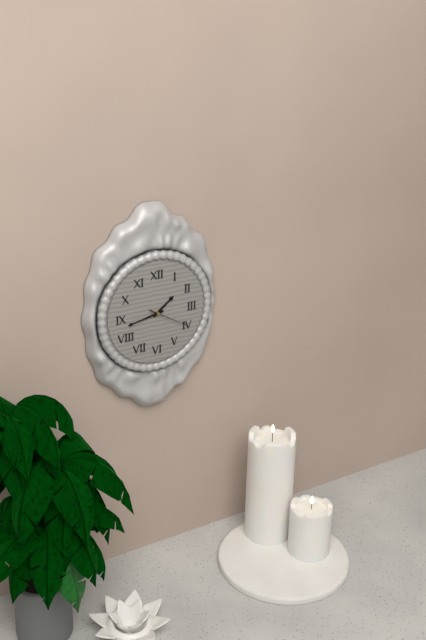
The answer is 1:43
